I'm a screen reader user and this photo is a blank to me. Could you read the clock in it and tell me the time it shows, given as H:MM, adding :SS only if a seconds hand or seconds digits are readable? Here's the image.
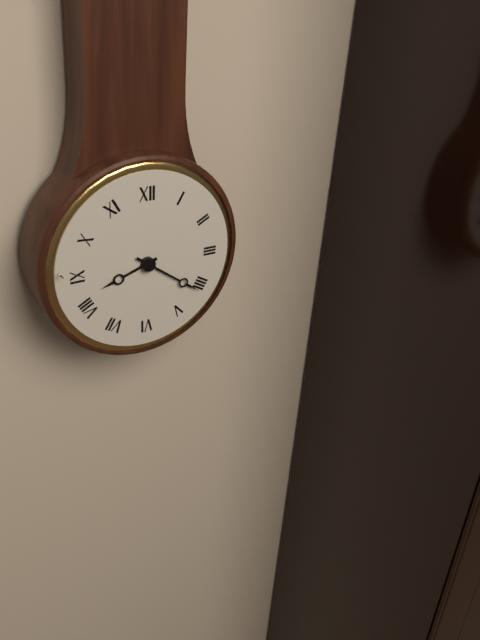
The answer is 8:21
